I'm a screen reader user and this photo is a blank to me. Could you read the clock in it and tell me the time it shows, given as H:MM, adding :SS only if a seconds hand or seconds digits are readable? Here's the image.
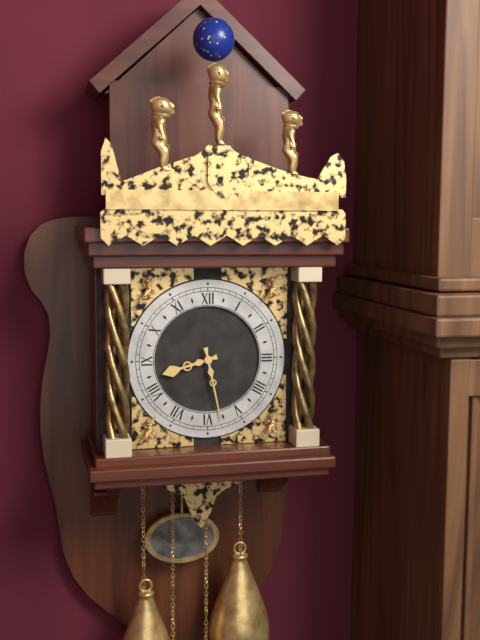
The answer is 8:28
